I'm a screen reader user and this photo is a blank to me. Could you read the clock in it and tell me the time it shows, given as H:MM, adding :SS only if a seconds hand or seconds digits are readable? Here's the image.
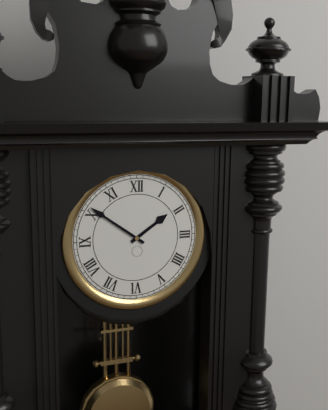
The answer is 1:51
